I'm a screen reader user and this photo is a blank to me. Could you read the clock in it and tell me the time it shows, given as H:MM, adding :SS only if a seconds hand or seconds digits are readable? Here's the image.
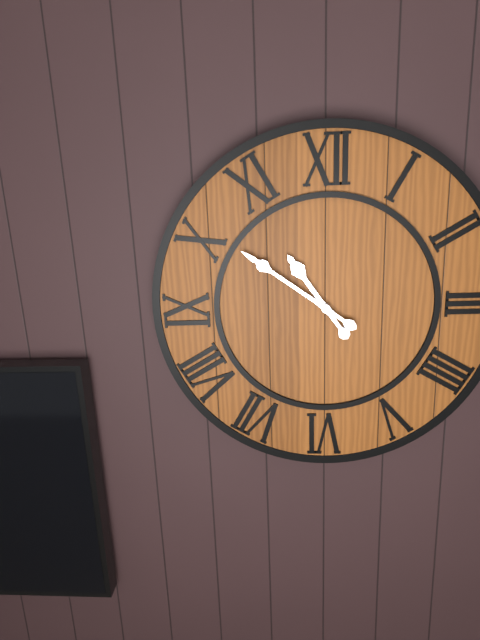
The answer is 10:51
